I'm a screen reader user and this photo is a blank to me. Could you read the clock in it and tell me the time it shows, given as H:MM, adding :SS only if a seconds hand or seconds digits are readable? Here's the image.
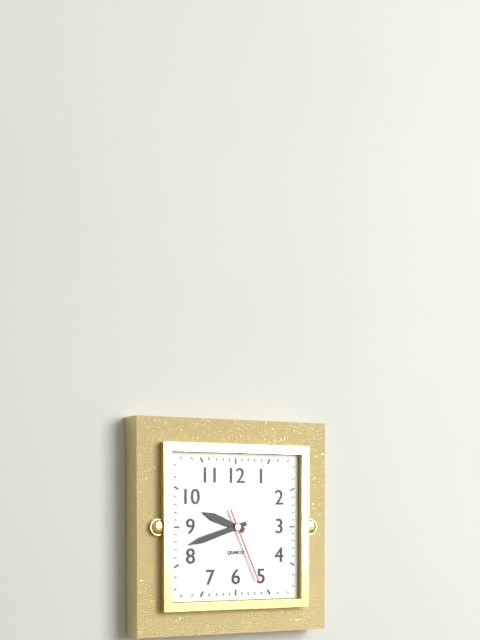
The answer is 9:42:26
